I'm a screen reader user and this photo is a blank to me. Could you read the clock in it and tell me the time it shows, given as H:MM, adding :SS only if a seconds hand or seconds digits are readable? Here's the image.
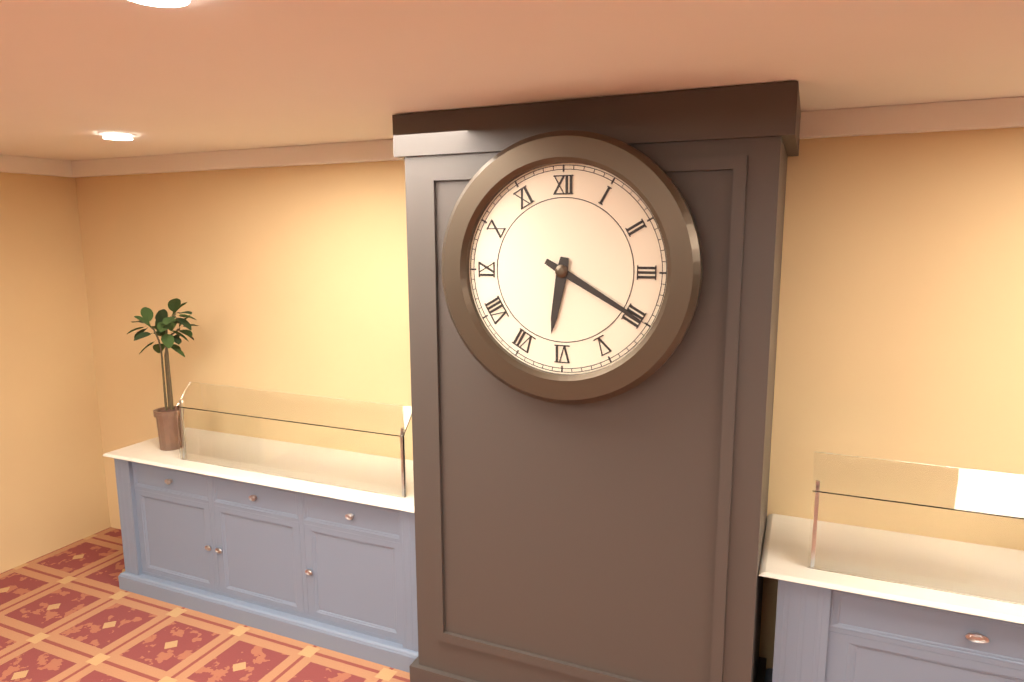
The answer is 6:20
